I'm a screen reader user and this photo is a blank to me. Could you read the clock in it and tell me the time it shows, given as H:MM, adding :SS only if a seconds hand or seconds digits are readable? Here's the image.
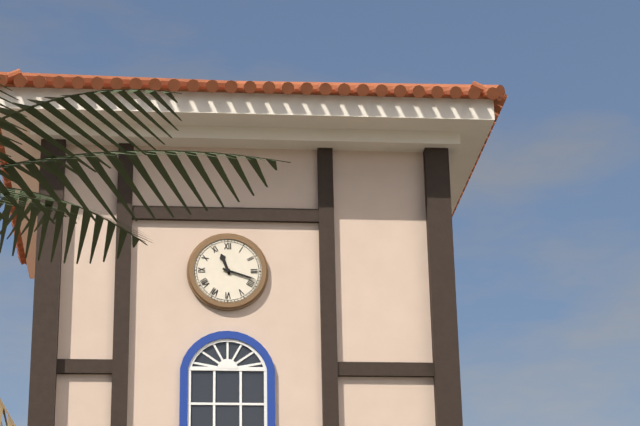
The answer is 11:18
